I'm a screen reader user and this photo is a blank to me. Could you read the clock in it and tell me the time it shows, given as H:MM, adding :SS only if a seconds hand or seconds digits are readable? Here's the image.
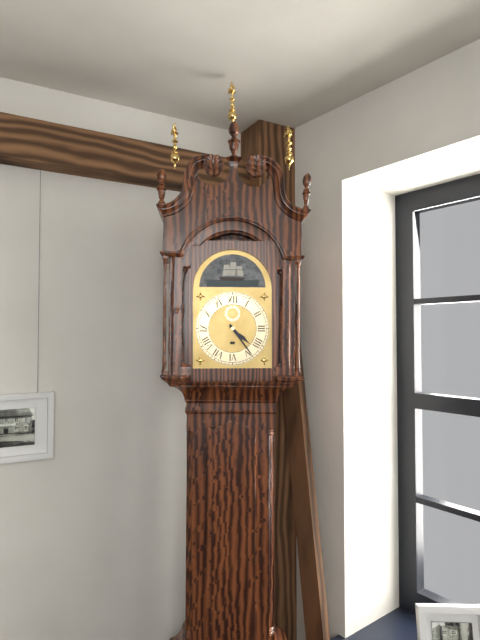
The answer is 4:24
